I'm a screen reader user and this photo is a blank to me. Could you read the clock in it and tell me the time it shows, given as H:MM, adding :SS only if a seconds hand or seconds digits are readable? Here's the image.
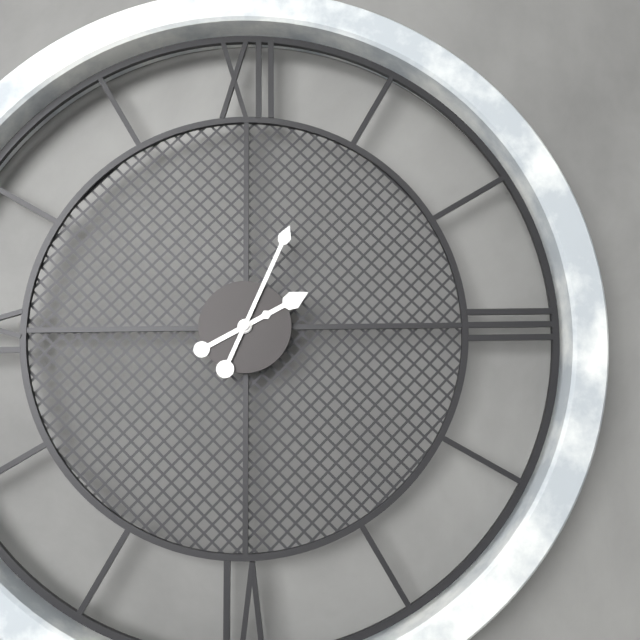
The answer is 2:04
